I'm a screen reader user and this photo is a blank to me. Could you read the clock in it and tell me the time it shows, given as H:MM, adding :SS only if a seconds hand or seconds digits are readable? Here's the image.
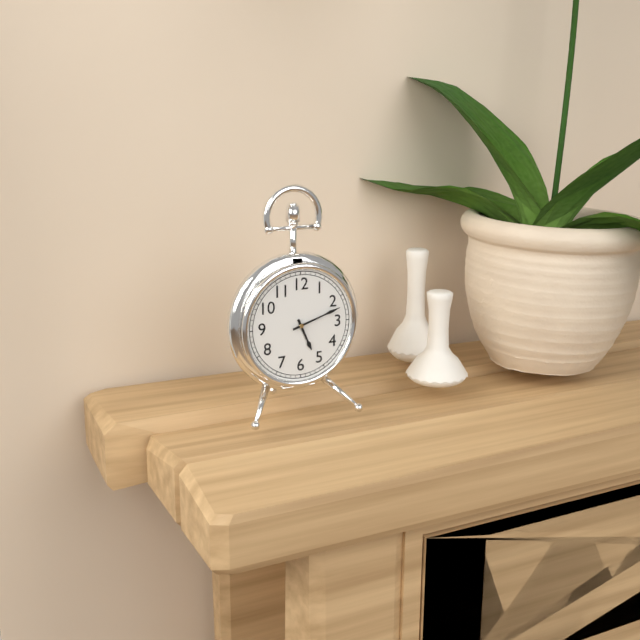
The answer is 5:12
